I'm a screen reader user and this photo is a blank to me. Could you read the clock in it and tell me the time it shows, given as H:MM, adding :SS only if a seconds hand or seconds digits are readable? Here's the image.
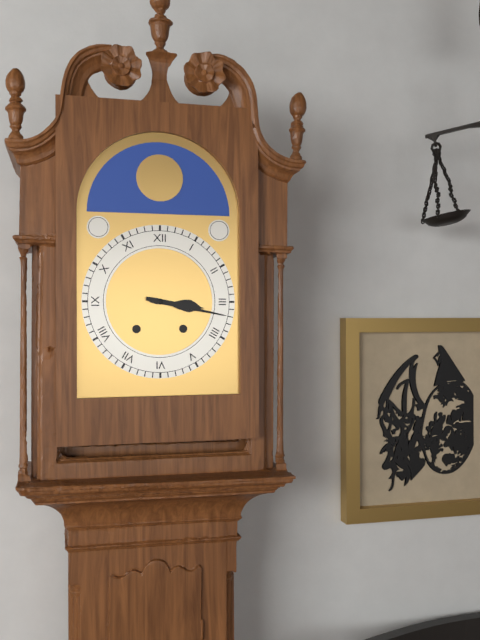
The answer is 3:17
